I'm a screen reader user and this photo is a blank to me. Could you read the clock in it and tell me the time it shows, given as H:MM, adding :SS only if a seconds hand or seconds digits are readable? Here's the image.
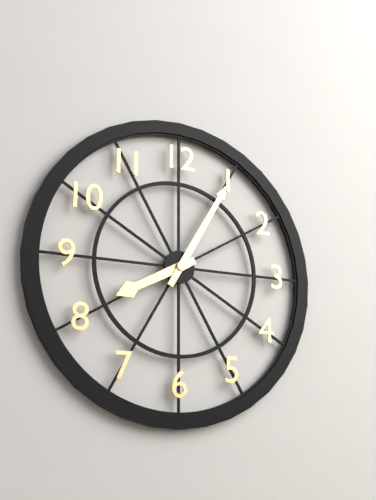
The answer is 8:05
